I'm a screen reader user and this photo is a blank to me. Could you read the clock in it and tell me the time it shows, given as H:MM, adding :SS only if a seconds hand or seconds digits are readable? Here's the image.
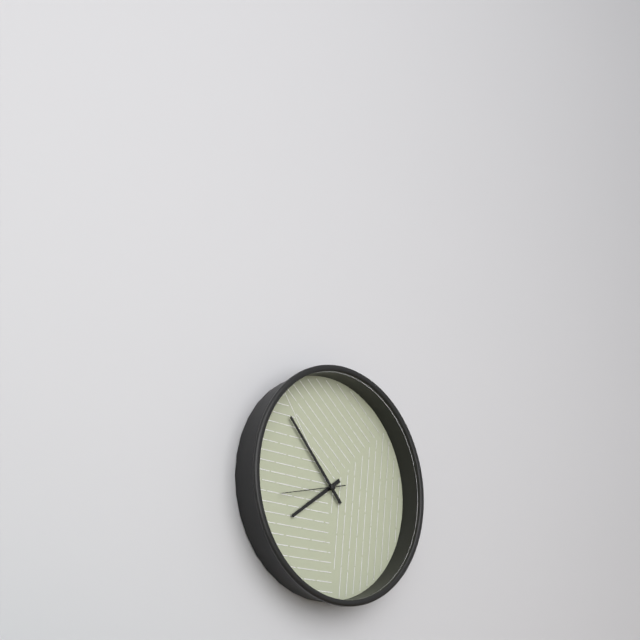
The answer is 7:53:43
